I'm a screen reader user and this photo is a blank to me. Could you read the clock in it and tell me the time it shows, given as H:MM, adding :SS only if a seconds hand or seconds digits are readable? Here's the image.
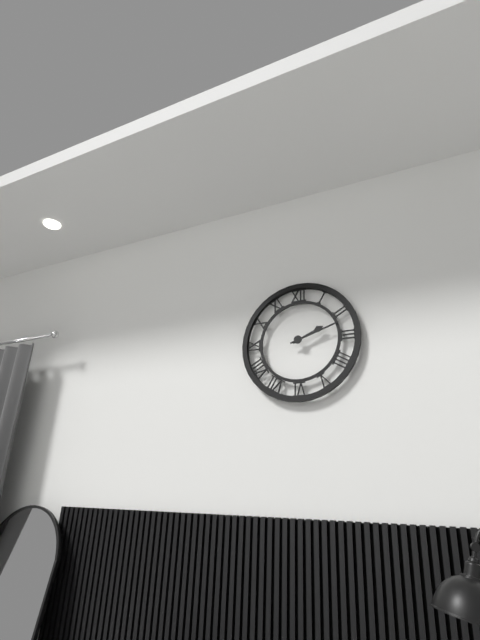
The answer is 2:12
